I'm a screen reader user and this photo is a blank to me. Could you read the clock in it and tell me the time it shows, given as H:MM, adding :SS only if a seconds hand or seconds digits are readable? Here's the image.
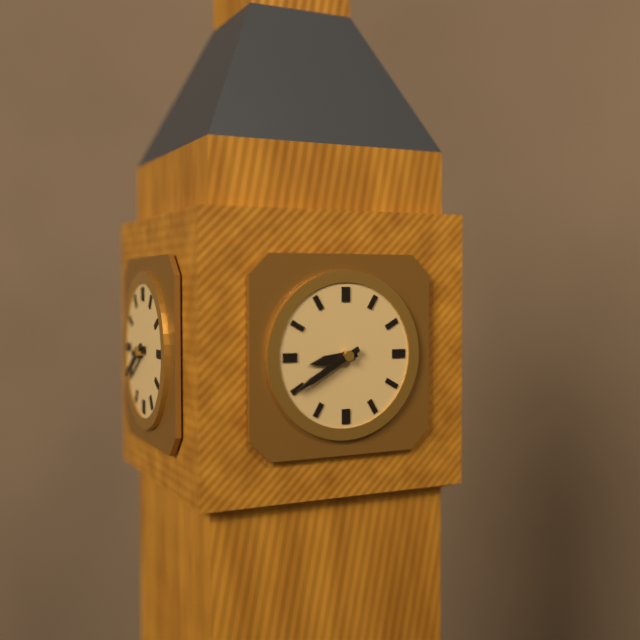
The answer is 8:40
